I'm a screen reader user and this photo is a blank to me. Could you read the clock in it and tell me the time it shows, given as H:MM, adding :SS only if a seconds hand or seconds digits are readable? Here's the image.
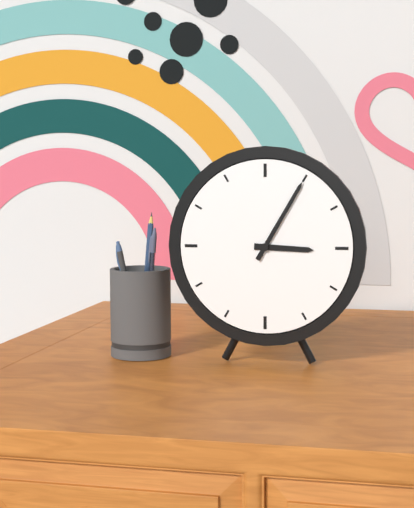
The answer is 3:05
